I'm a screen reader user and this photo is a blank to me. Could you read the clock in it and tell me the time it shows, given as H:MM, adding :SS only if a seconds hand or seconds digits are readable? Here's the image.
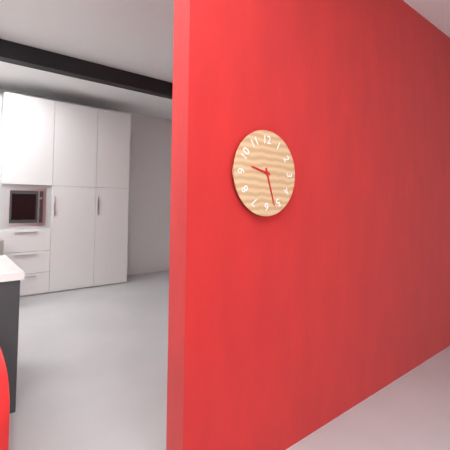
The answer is 9:27
